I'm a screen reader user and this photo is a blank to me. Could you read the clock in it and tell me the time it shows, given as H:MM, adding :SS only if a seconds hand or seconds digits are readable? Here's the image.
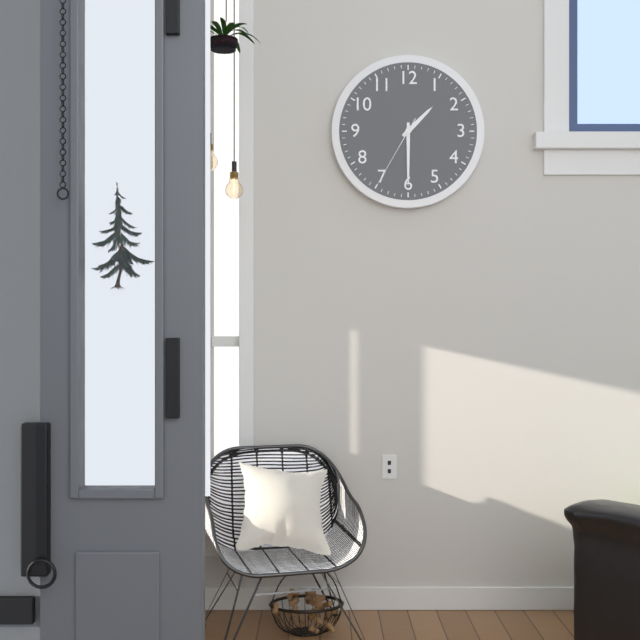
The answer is 1:30:35
